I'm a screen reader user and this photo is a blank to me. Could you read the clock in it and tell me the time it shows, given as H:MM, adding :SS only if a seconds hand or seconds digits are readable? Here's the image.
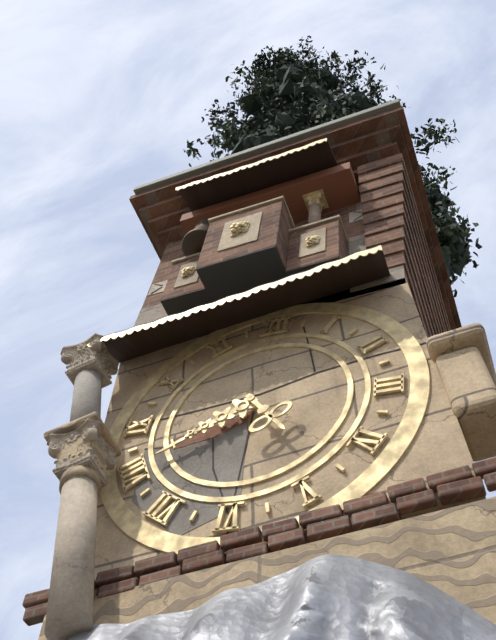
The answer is 4:40
